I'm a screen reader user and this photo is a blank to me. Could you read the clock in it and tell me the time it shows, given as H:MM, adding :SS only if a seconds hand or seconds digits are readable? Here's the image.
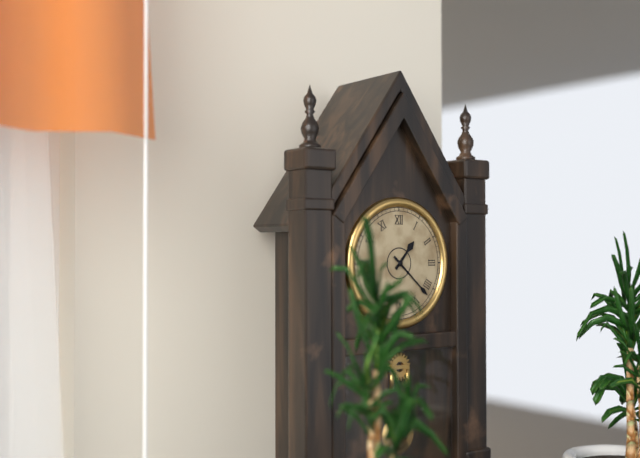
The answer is 1:22
